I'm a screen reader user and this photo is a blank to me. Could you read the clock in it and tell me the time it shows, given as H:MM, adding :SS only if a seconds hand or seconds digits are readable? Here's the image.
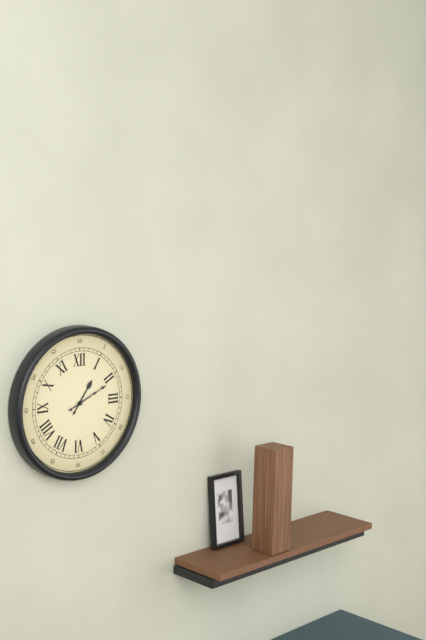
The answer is 1:11
